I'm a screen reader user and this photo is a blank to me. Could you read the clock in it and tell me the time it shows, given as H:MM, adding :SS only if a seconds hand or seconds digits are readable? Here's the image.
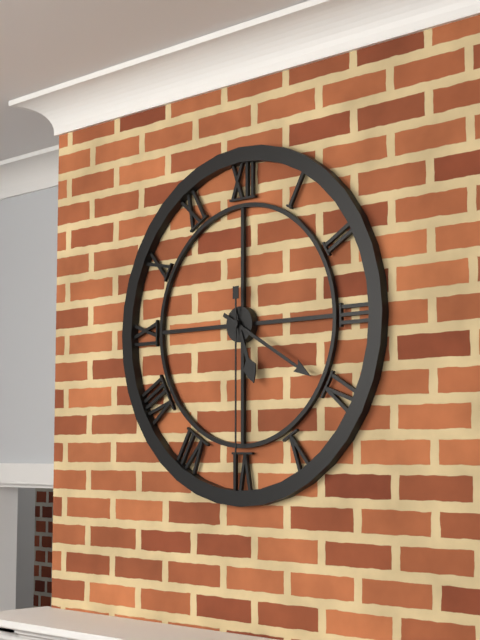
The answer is 5:20:30
